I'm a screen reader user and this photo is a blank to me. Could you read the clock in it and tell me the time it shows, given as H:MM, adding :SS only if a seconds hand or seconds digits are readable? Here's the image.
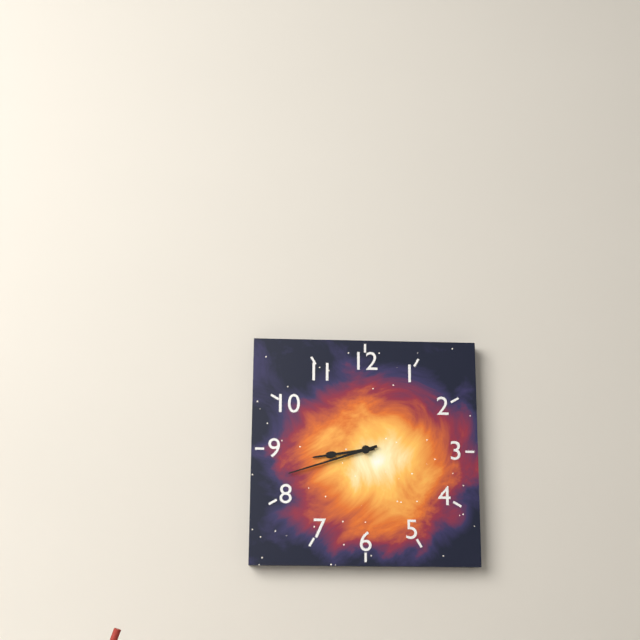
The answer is 8:42
